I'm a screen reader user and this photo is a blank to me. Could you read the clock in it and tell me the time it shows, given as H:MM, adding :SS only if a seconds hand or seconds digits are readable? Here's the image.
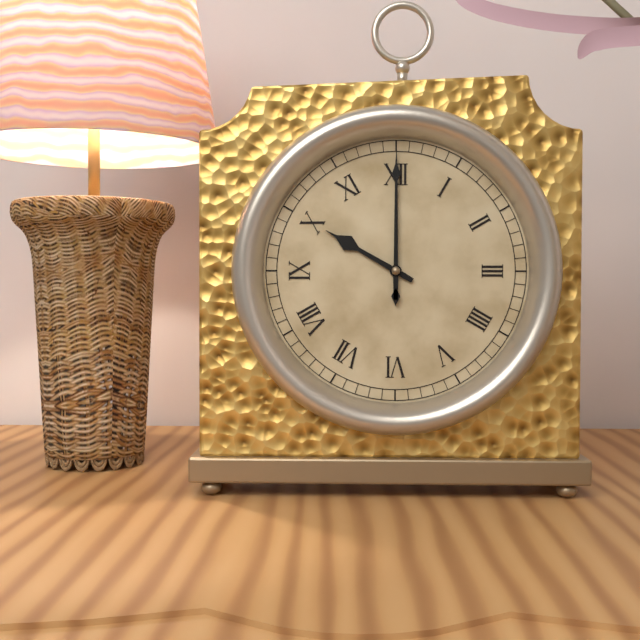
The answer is 10:00
